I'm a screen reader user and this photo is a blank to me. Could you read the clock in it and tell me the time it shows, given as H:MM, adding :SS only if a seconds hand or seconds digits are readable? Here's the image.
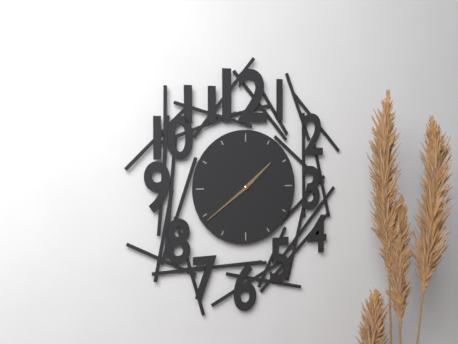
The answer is 1:39
